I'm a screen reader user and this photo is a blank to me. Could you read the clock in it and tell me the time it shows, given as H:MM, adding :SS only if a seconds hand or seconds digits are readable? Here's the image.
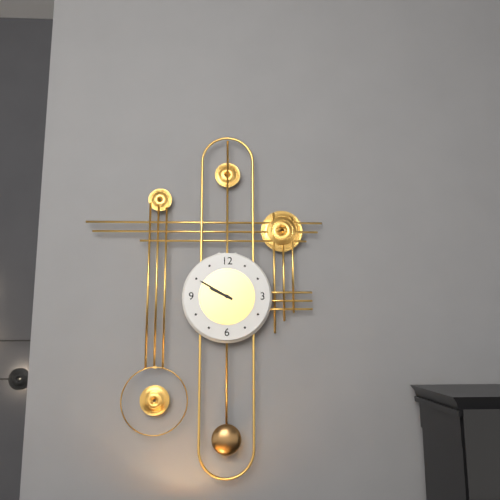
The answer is 9:50
